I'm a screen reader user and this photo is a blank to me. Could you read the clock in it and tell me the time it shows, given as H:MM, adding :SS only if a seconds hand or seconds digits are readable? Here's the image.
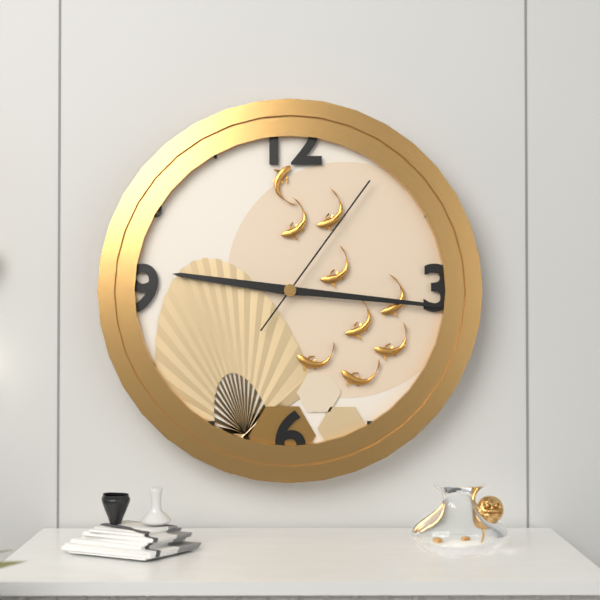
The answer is 9:16:06
